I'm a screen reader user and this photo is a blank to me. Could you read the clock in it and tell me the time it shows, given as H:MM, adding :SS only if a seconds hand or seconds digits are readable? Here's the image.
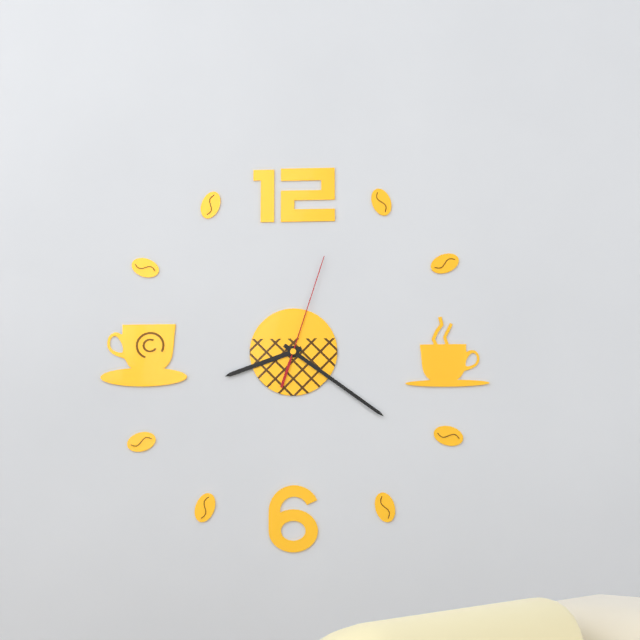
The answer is 8:21:03
